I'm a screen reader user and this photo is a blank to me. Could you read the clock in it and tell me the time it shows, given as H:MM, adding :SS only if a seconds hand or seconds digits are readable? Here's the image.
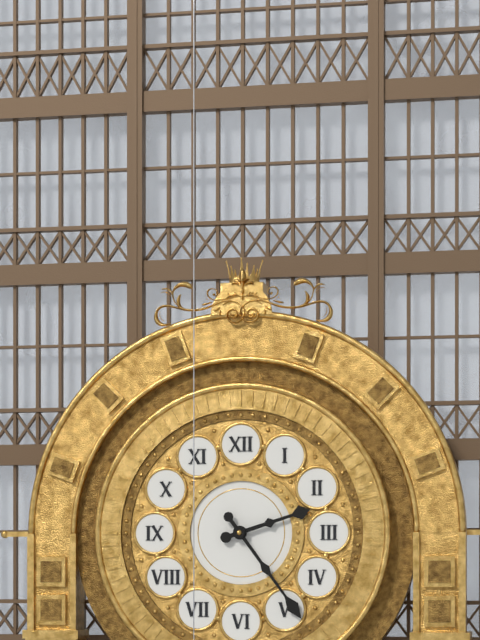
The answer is 2:24
